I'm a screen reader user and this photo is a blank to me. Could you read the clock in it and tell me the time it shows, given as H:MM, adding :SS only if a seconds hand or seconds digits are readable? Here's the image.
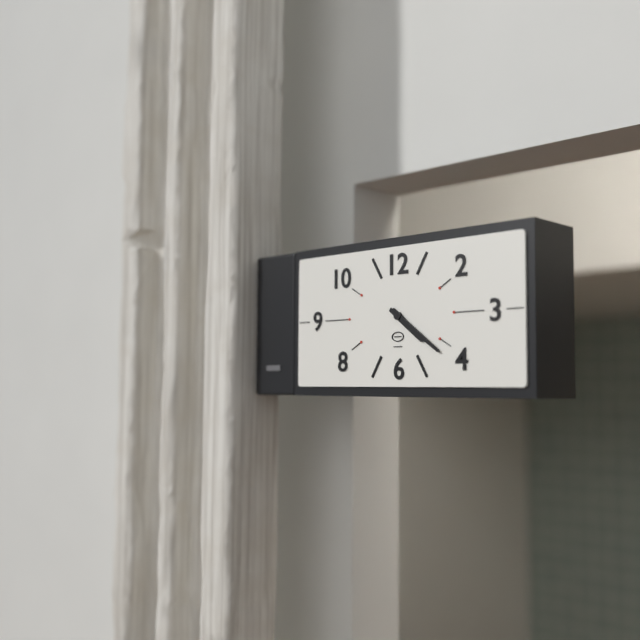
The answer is 4:21
